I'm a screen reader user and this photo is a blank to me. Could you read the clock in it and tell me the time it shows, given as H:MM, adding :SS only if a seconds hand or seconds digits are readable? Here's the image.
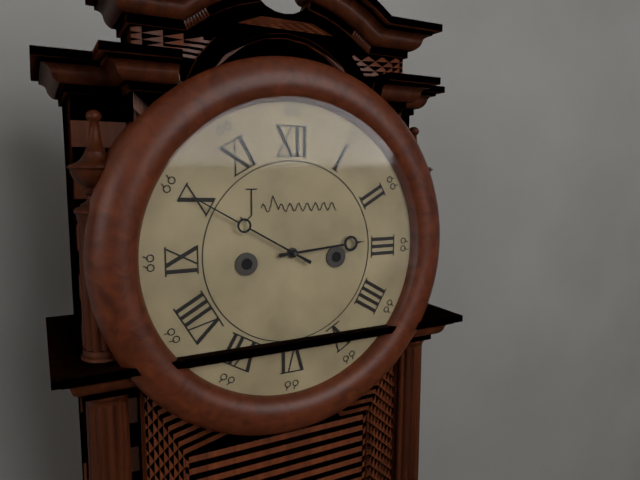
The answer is 2:50
